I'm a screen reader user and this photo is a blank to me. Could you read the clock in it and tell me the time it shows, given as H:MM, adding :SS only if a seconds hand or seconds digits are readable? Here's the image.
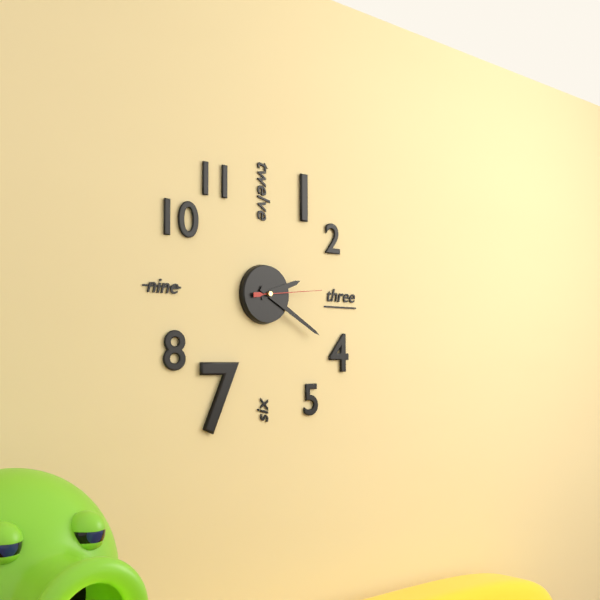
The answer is 2:20:14
